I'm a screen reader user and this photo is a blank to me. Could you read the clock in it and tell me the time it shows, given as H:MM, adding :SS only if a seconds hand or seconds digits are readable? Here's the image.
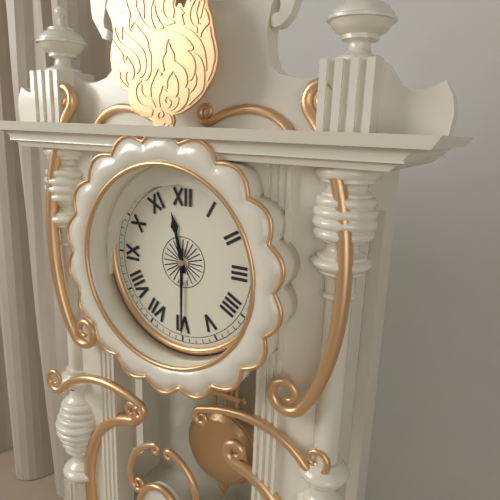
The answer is 11:30
